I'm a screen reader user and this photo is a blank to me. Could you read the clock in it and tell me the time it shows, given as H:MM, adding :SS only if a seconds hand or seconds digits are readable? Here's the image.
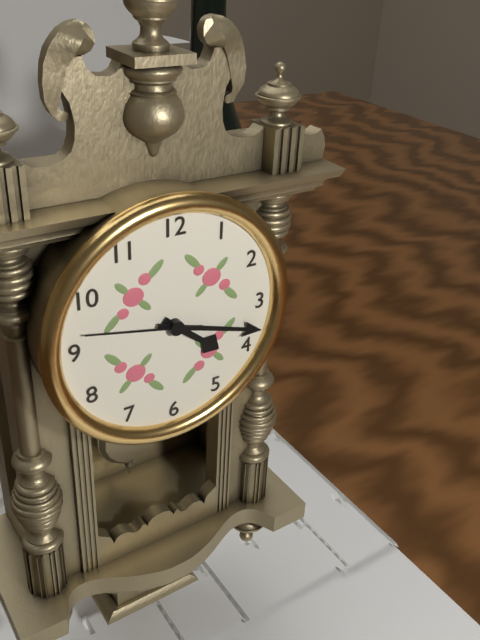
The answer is 4:18:47
